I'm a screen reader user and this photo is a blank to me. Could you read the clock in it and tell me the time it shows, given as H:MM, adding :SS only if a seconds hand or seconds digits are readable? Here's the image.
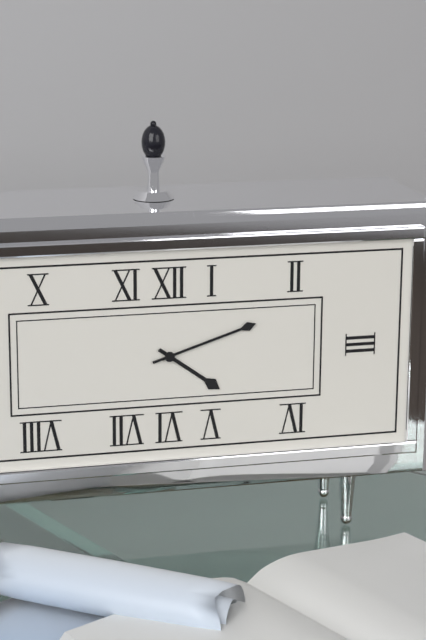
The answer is 4:12
